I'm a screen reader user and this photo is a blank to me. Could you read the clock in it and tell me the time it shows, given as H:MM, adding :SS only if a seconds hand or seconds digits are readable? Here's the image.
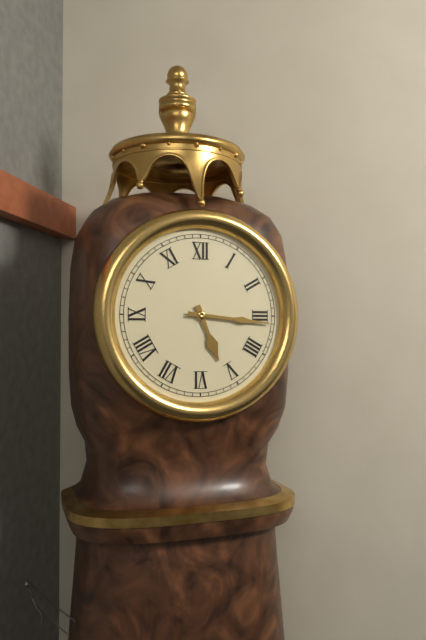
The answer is 5:16
